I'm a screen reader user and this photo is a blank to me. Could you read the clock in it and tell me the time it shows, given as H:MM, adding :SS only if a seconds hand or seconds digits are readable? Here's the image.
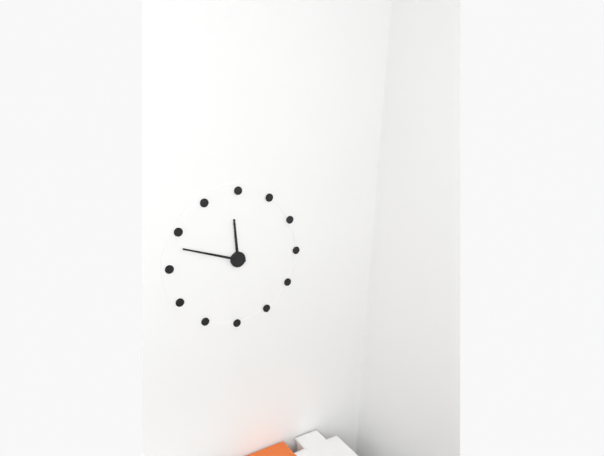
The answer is 11:48
